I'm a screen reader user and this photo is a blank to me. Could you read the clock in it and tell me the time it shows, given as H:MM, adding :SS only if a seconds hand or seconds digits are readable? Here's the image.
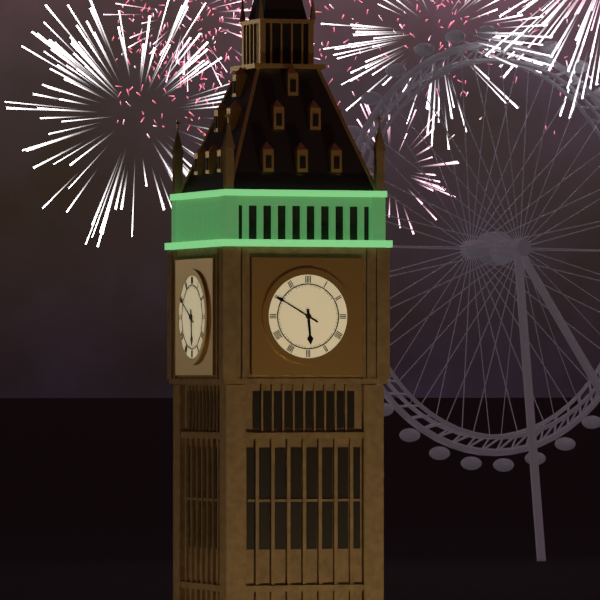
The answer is 5:50
